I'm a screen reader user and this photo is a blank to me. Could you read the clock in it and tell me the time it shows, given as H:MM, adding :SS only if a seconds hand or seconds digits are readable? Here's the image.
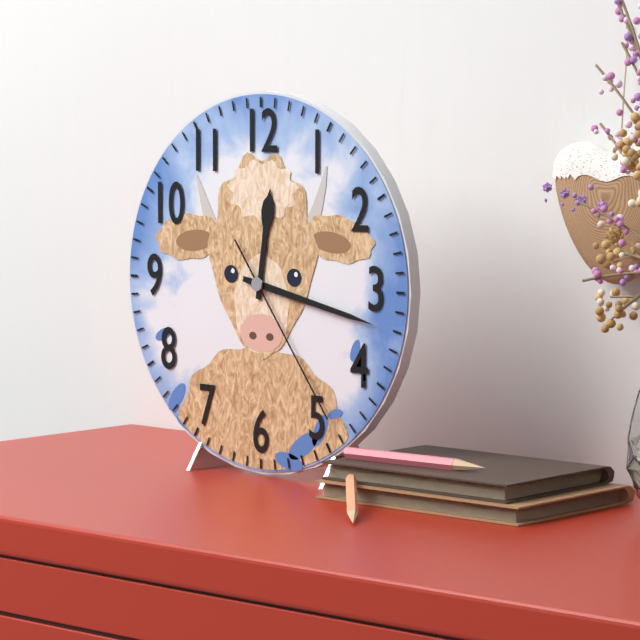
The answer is 12:17:24
